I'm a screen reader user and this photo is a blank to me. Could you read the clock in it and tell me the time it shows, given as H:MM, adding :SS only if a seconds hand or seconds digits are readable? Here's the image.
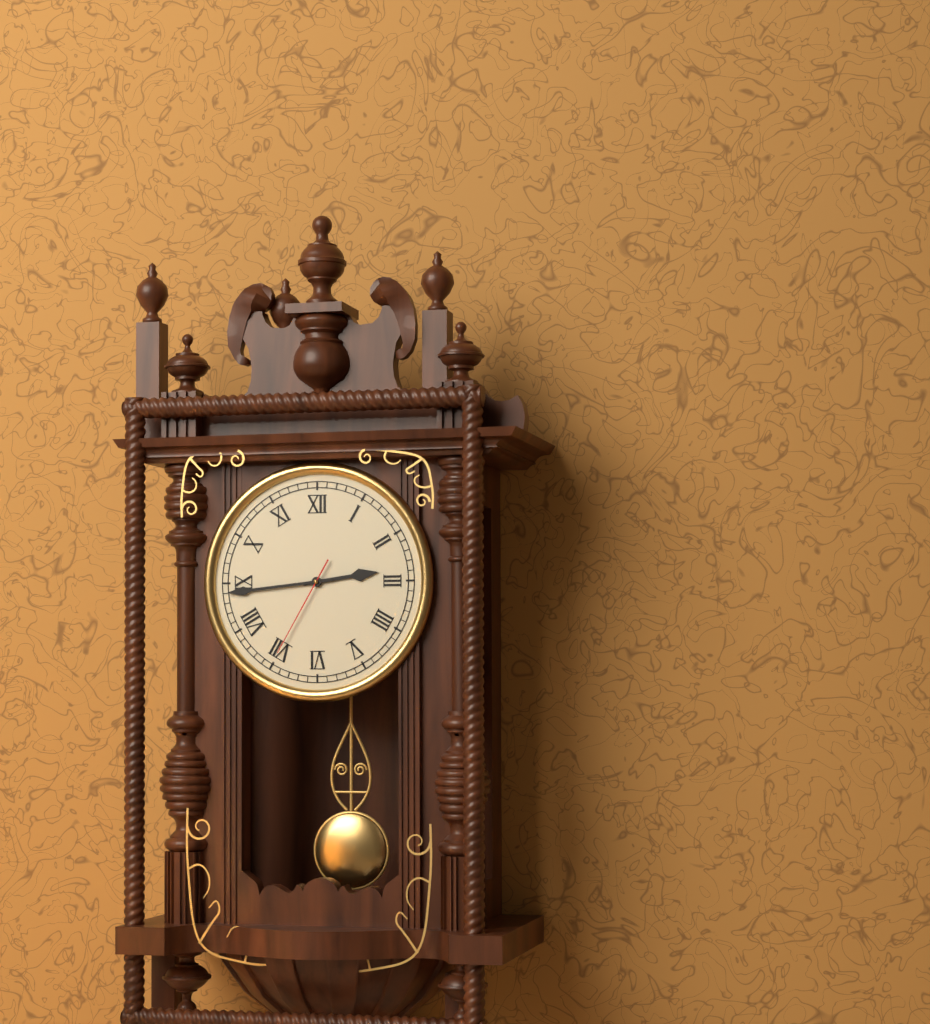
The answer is 2:44:35
